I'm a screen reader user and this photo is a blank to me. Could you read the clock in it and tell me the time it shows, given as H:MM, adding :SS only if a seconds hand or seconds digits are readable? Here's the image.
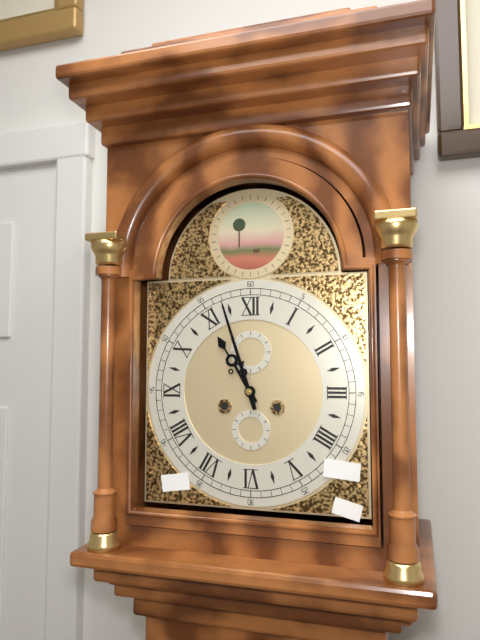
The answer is 10:57
